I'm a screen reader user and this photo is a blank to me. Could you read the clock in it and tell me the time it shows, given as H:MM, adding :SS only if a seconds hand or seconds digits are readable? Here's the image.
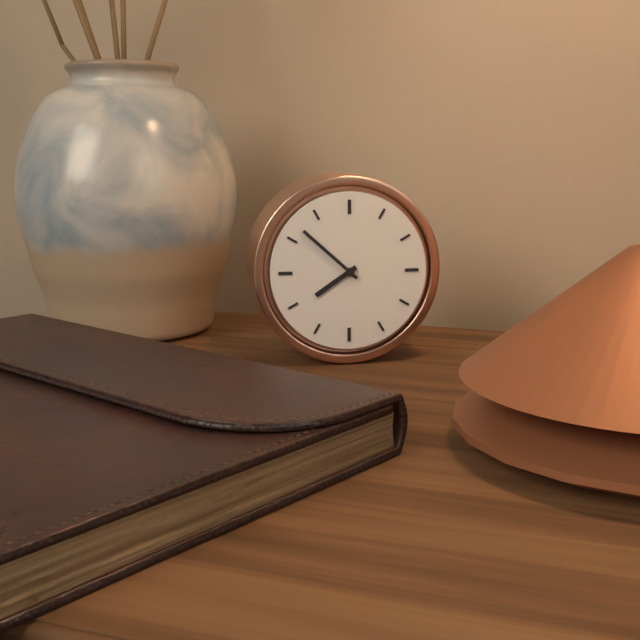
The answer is 7:52
